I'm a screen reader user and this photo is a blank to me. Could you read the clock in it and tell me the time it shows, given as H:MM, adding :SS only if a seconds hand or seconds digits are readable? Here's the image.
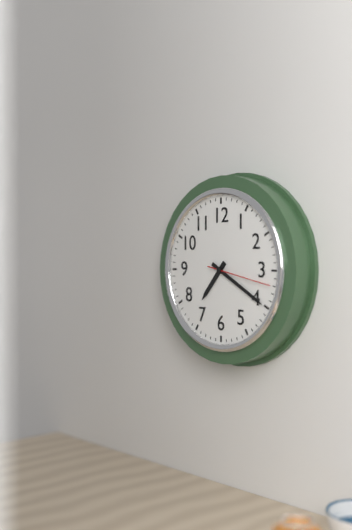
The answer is 7:20:17
